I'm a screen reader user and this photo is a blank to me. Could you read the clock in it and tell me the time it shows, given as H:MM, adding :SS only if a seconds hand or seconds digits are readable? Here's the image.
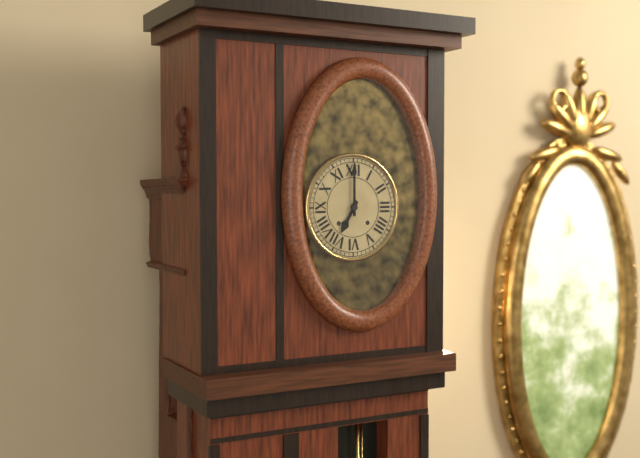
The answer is 7:00
